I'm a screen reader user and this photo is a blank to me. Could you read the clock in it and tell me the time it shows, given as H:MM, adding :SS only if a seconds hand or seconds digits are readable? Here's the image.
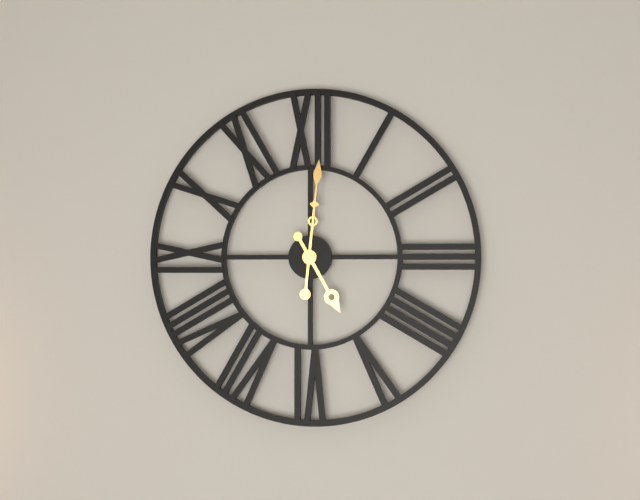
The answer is 5:01
